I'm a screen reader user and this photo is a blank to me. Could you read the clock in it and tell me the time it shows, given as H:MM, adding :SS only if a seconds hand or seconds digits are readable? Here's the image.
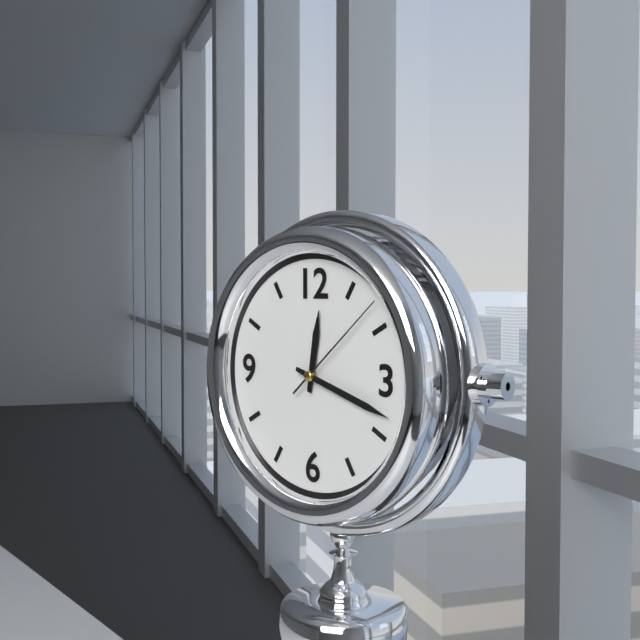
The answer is 12:18:08
